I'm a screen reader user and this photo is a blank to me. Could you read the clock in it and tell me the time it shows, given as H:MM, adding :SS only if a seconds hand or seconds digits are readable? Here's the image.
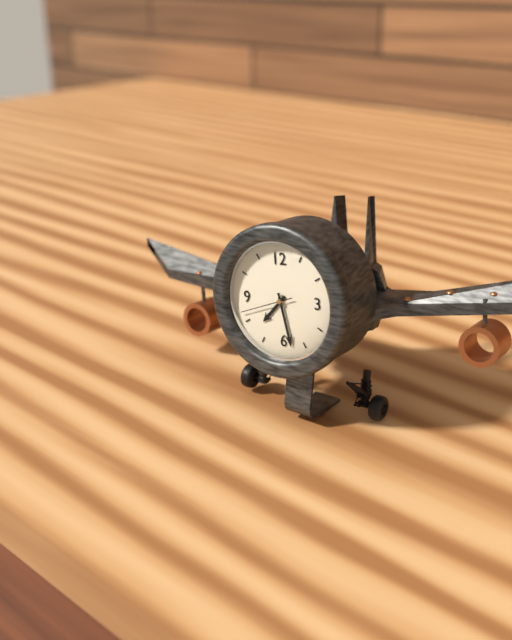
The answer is 7:28:42
